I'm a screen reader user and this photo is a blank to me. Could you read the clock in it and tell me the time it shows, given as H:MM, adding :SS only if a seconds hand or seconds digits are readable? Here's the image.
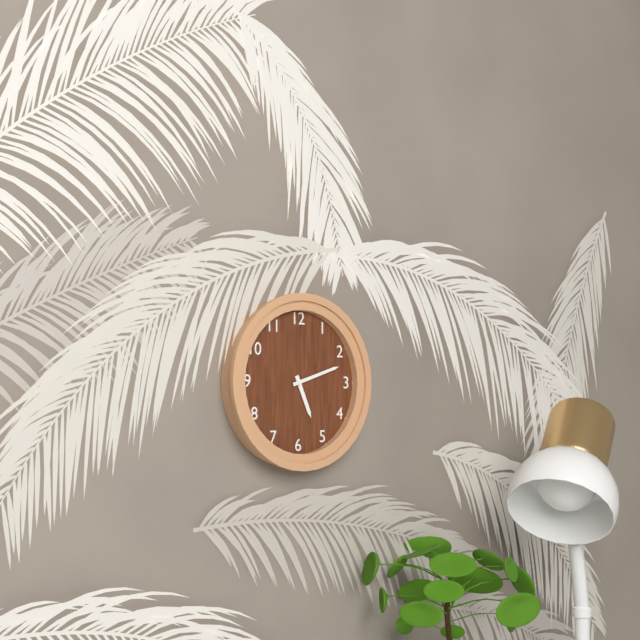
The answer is 5:12
